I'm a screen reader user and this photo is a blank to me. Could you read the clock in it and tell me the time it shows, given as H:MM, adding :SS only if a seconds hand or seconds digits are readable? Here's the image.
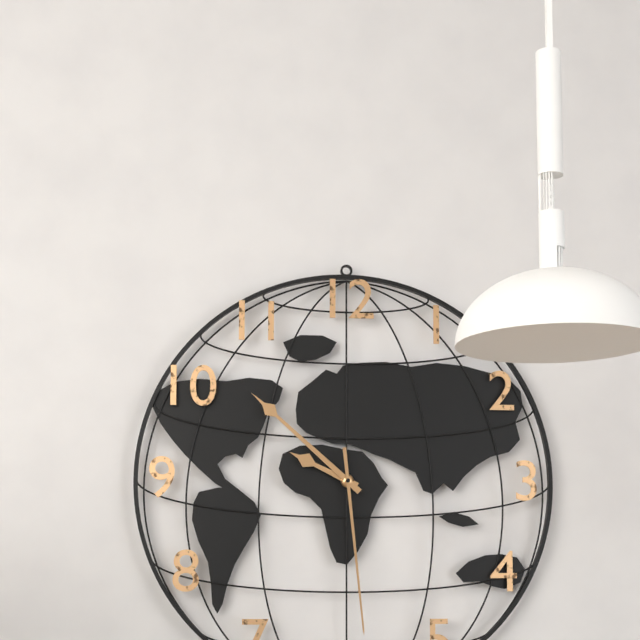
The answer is 9:52:29
